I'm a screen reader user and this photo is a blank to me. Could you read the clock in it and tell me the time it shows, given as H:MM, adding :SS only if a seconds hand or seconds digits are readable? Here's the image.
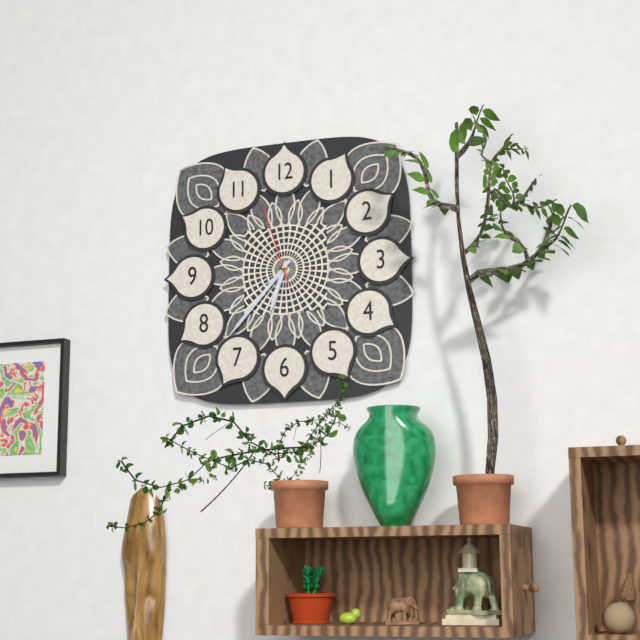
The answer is 6:37:57
